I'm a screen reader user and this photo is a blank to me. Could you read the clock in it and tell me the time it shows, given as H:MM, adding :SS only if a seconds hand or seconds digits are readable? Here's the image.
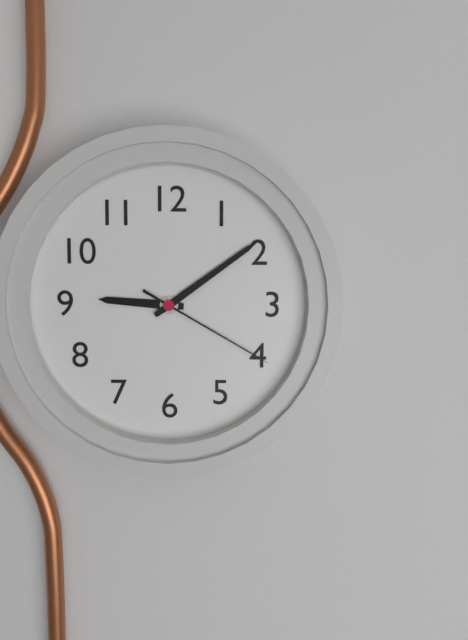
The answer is 9:09:20
